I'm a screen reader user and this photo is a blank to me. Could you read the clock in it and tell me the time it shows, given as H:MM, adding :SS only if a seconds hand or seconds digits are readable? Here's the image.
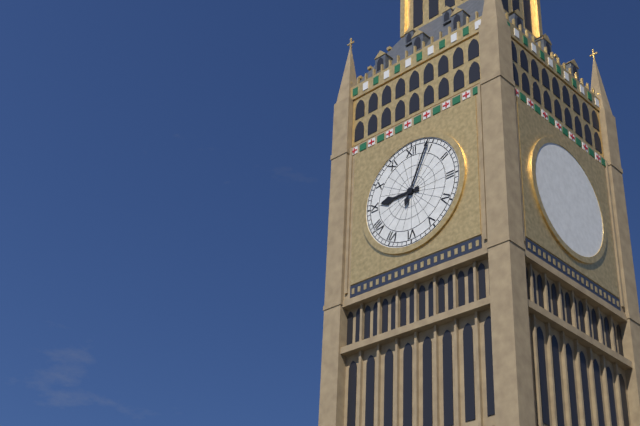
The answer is 9:04
